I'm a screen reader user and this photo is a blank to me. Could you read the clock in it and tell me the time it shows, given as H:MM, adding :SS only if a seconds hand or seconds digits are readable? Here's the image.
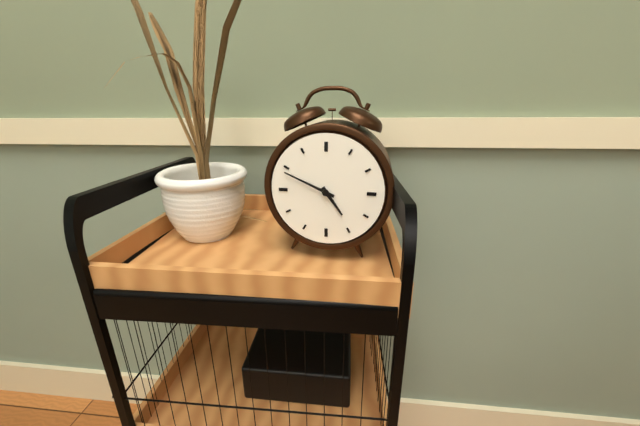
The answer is 4:49
